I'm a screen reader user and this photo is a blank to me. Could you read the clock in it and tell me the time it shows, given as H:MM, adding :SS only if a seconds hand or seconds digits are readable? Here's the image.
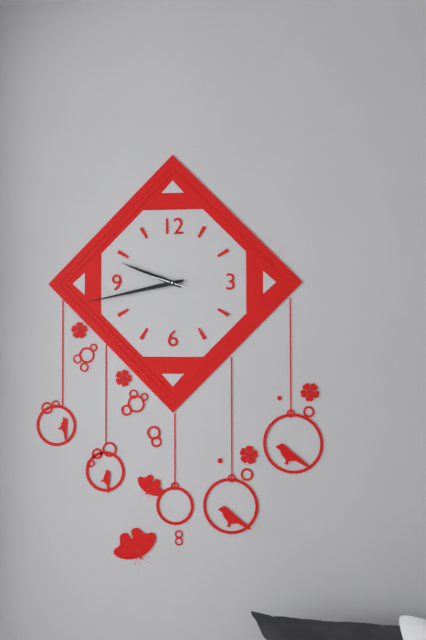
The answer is 9:43:48
